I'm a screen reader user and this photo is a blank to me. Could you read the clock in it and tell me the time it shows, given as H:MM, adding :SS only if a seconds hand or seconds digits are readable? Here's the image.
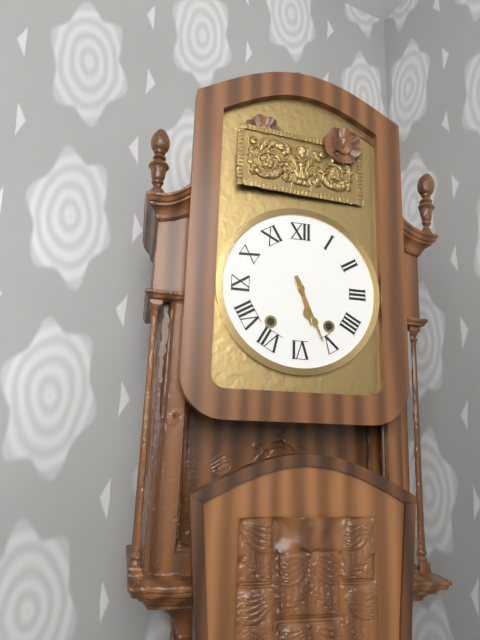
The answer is 5:26
